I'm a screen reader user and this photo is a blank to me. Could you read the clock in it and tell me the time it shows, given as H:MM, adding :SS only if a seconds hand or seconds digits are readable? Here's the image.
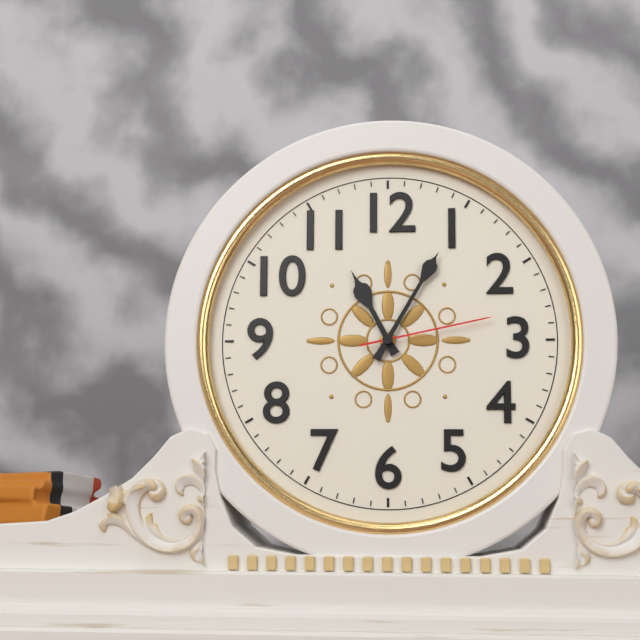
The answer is 11:05:13
